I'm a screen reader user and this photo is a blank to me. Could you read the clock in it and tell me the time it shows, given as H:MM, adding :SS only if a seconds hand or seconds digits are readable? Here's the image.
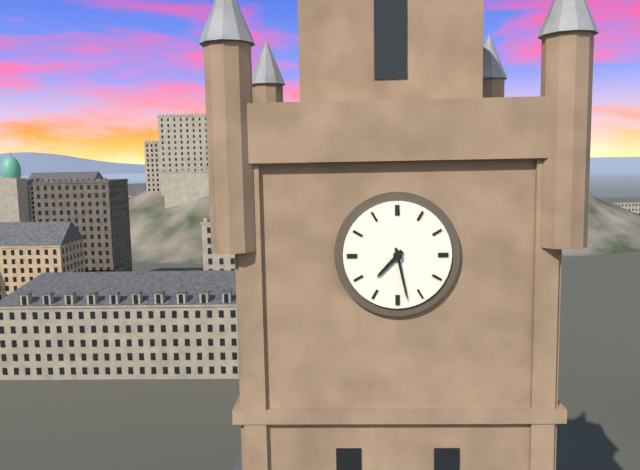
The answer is 7:28
